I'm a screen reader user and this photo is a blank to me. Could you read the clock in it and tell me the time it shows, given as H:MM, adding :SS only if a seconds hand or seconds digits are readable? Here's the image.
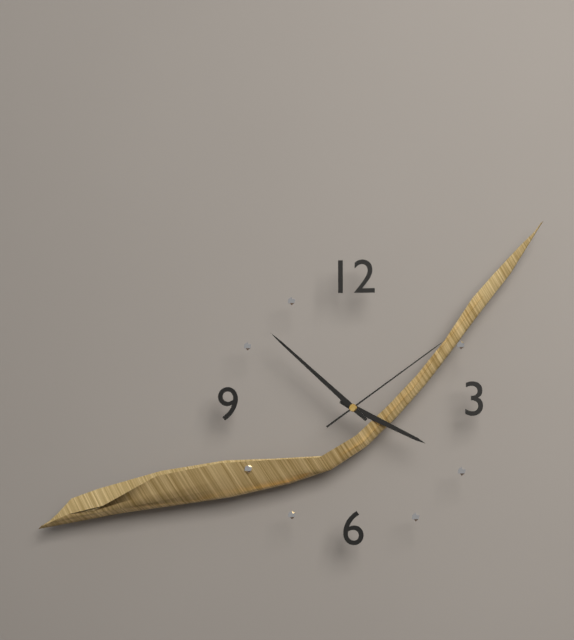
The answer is 3:52:09
